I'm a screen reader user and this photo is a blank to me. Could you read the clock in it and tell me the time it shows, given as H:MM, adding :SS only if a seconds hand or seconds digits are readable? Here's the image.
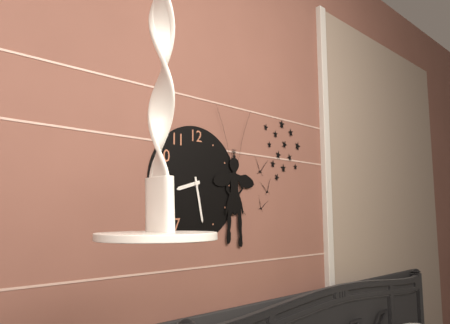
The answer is 8:28
